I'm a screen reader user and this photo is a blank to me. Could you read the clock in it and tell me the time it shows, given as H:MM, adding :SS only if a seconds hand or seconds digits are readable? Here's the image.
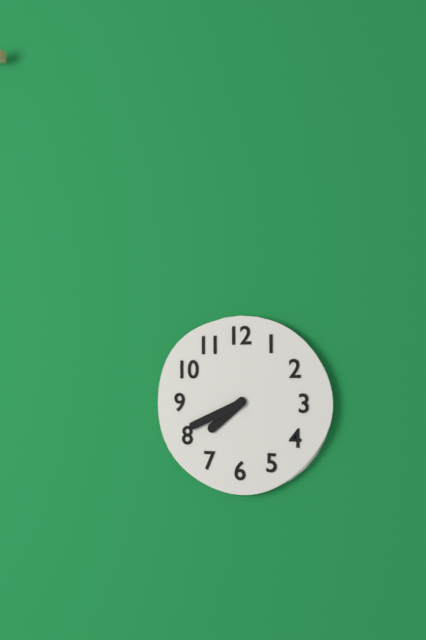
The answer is 7:41
